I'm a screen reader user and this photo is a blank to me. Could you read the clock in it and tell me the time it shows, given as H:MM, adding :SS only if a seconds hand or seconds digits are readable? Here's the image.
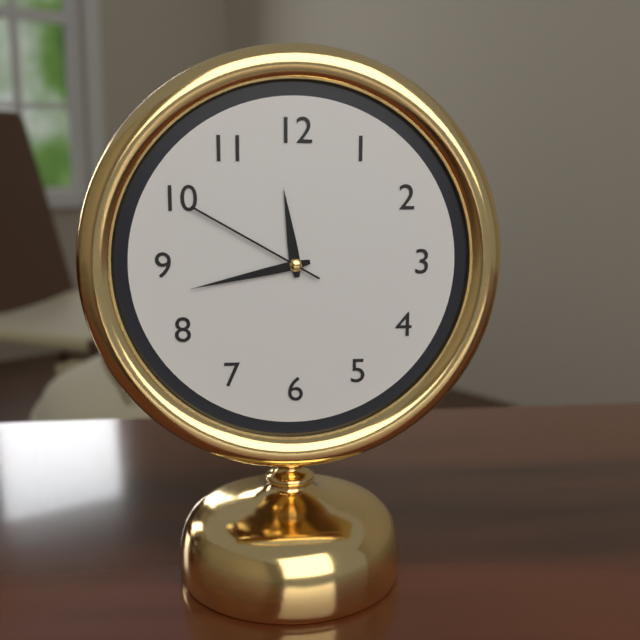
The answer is 11:43:50
